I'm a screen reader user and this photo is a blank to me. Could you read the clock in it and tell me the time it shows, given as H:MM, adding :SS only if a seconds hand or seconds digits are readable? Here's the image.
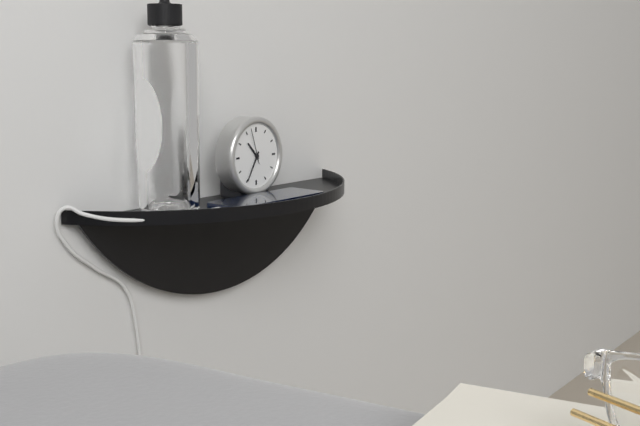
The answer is 10:35
